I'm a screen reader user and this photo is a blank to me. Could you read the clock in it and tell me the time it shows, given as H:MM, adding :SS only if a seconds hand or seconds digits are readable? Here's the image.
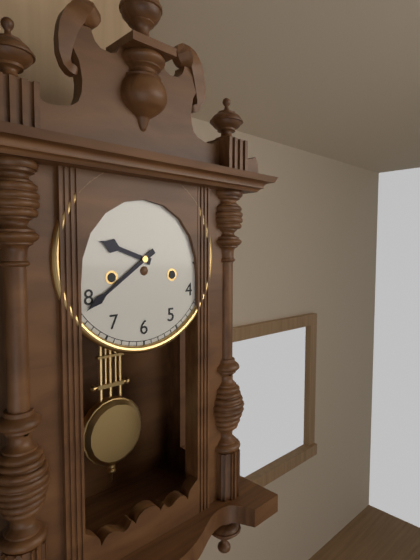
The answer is 9:39
